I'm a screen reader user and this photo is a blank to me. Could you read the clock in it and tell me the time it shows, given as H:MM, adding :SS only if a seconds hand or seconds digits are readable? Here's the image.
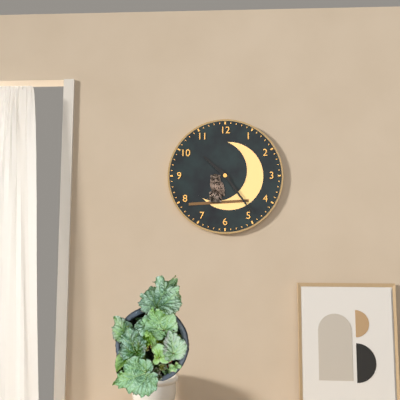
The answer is 10:24
